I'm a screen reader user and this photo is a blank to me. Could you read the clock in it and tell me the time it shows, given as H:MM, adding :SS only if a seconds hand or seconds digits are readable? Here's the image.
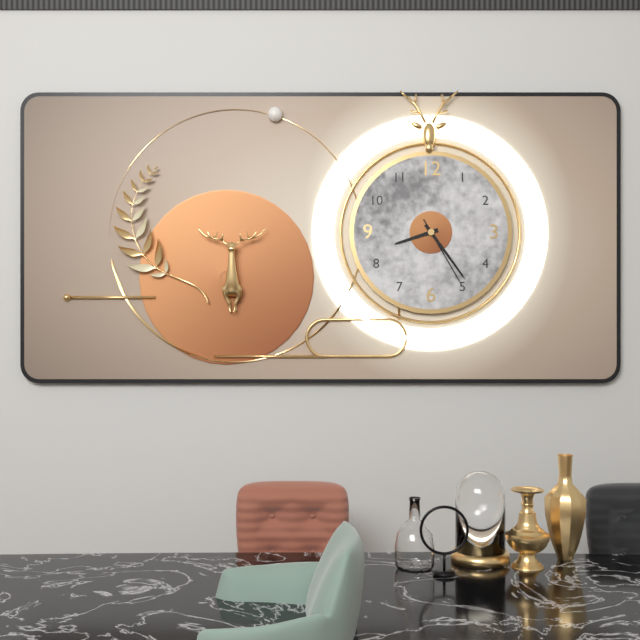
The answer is 8:24:25
